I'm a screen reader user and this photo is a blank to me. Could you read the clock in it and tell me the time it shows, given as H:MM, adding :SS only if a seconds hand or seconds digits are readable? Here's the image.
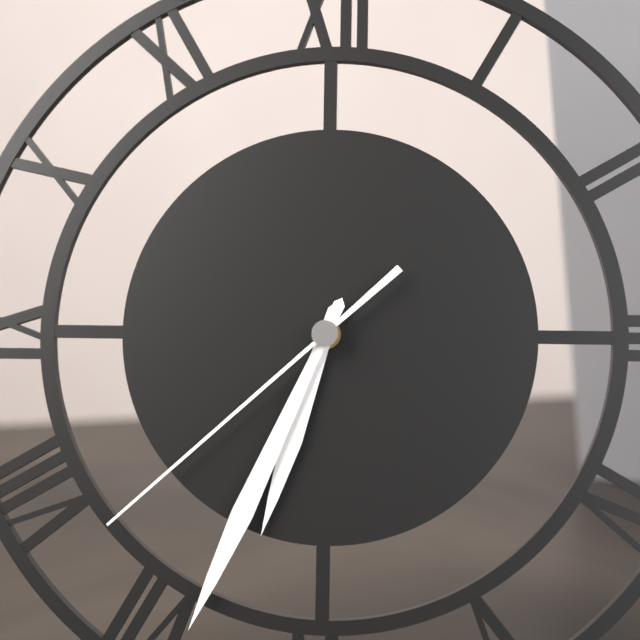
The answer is 6:34:38
